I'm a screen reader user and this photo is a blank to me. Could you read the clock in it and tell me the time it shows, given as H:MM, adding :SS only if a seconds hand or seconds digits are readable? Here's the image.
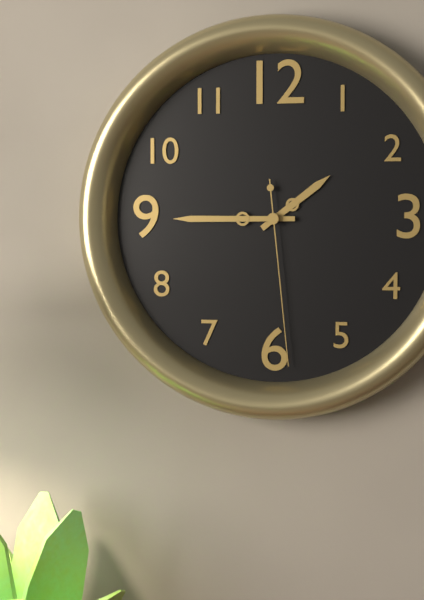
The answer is 1:45:29
